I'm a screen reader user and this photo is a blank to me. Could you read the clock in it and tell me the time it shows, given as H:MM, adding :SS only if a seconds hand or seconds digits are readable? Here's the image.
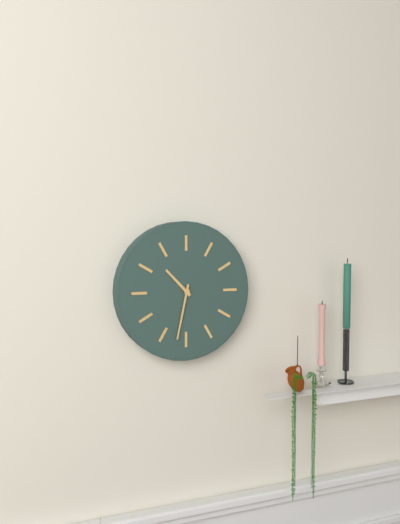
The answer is 10:32
